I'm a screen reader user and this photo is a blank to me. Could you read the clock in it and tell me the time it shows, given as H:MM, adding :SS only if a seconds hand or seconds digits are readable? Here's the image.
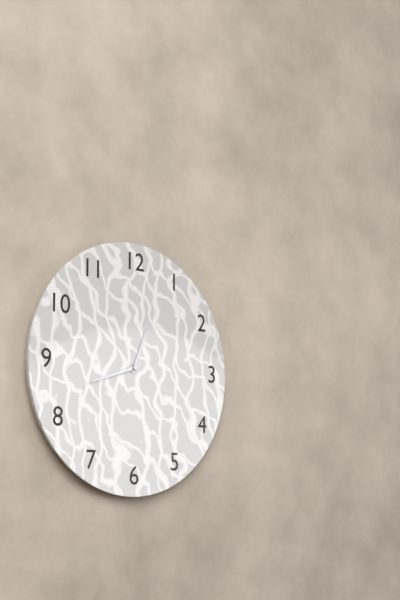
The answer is 12:42
